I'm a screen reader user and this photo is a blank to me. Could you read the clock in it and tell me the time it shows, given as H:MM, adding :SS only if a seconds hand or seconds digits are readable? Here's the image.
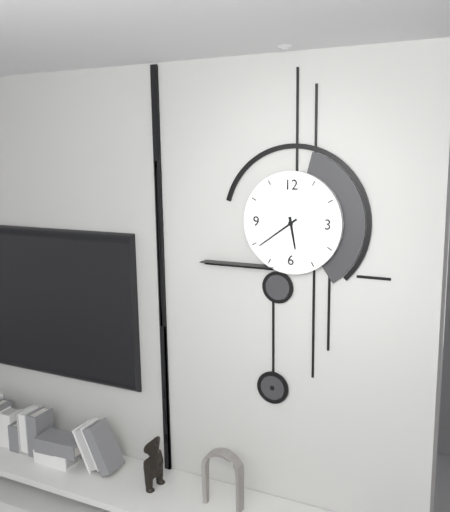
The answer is 5:39
